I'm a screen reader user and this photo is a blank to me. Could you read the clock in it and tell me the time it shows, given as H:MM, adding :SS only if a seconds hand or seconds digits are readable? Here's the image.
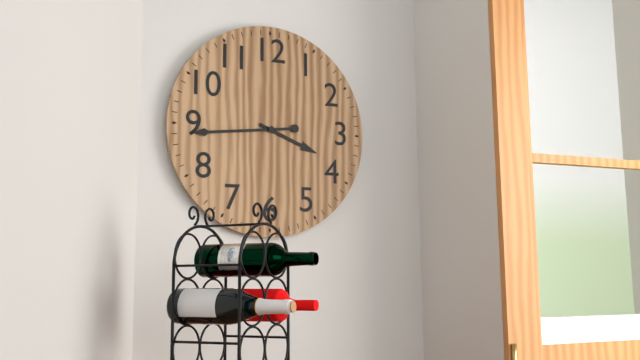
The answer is 3:44
